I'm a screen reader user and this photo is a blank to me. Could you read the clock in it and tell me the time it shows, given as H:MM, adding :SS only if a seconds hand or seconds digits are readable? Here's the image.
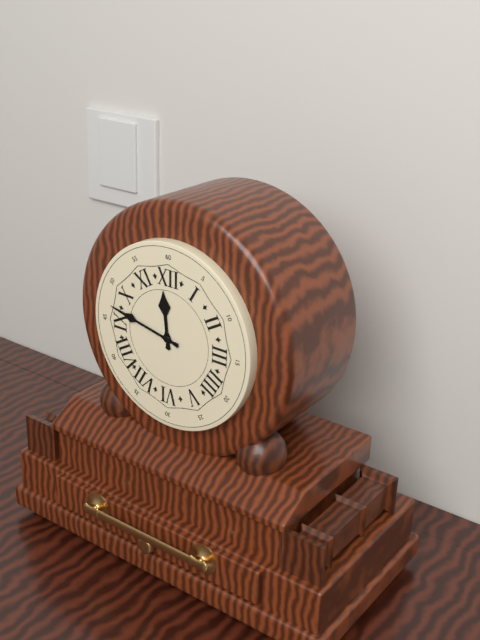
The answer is 11:47
